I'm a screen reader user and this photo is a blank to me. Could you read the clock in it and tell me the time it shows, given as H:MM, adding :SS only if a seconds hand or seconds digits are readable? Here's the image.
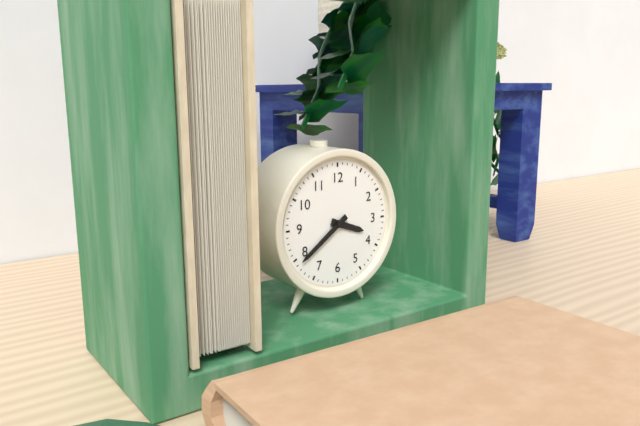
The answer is 3:39
